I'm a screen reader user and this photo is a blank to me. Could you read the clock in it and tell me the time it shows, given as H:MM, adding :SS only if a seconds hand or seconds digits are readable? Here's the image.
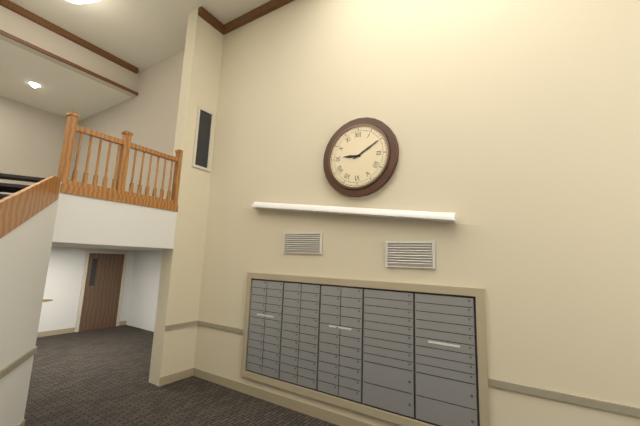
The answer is 9:10
